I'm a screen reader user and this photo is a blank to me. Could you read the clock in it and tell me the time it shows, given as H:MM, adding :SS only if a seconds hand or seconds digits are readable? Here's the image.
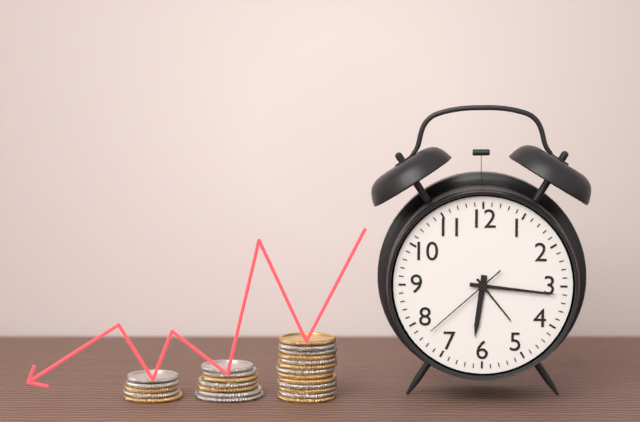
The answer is 6:16:38
